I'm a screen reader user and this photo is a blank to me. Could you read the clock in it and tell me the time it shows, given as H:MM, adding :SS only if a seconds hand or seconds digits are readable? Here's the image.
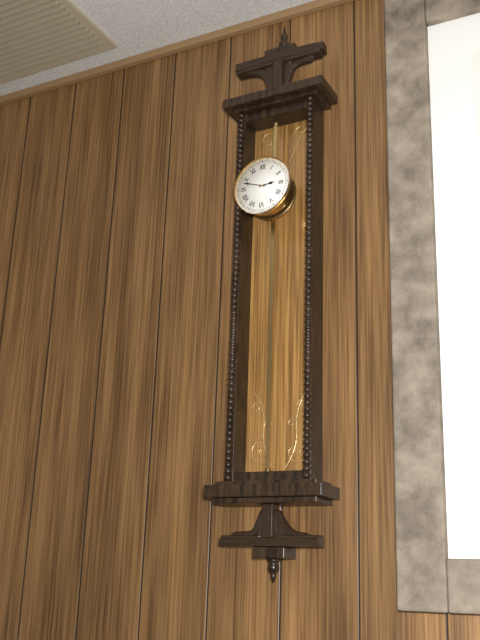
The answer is 2:48
